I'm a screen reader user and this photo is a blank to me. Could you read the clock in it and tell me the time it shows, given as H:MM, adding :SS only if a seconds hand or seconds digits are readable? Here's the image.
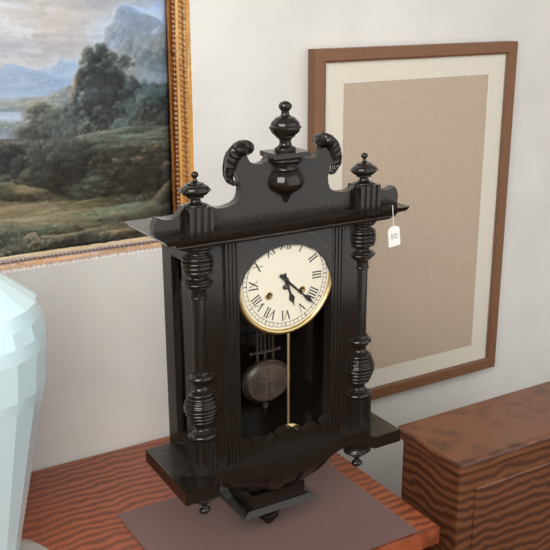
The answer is 5:22
